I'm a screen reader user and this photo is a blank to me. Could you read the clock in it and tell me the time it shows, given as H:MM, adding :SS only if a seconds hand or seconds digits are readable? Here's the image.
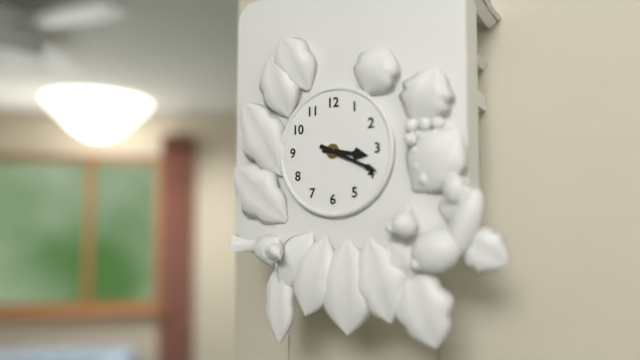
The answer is 3:19
